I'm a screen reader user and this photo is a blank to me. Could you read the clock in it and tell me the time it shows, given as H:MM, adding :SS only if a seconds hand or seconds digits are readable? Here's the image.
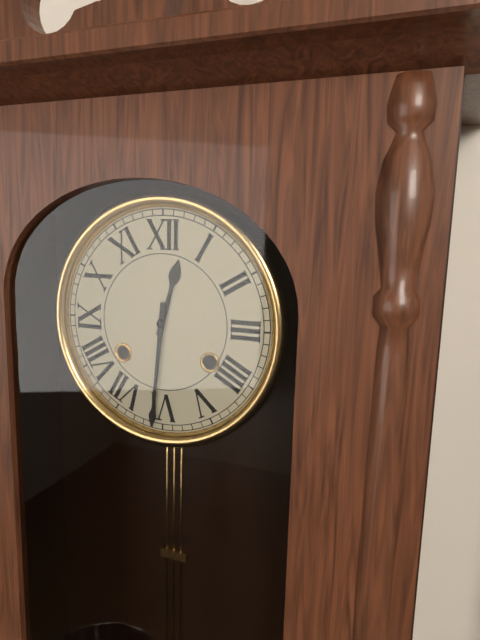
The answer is 12:31
